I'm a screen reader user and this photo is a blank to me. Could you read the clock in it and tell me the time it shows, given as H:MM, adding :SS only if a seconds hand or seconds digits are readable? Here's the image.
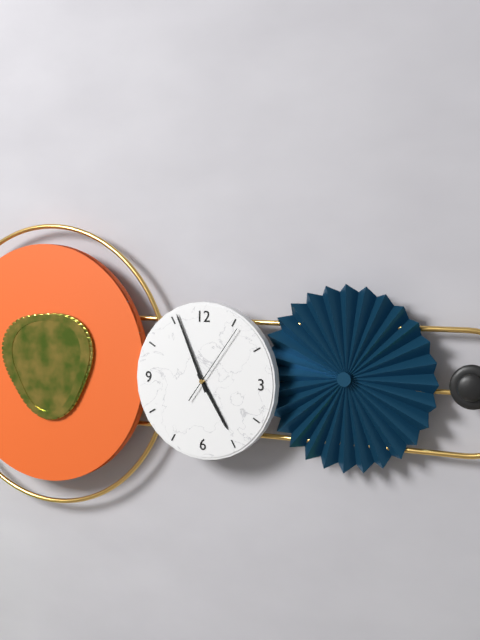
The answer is 4:56:06
